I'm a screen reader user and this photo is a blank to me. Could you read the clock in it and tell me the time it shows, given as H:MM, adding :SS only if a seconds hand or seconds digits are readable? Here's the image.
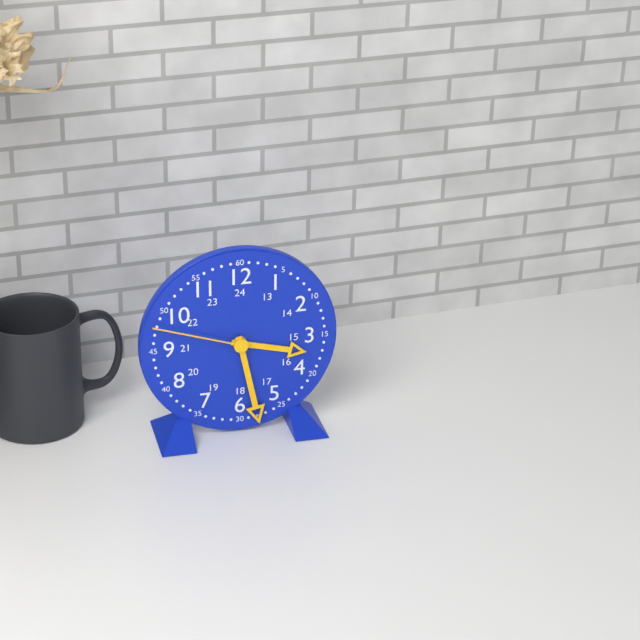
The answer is 3:28:48
